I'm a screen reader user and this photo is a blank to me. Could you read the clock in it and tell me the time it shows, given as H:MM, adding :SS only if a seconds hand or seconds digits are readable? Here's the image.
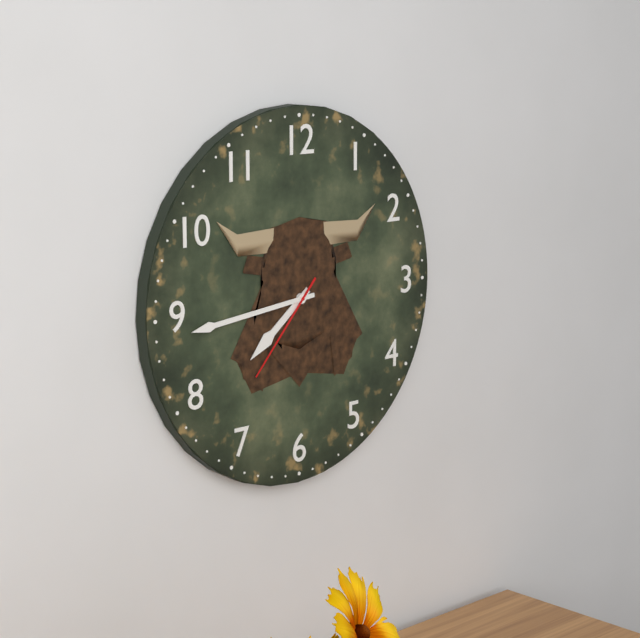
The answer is 7:44:37
